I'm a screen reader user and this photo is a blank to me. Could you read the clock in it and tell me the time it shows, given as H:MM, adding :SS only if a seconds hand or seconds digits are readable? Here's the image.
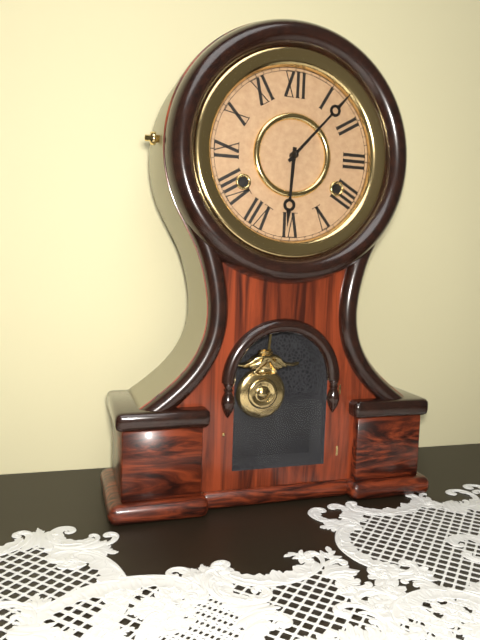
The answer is 6:07
